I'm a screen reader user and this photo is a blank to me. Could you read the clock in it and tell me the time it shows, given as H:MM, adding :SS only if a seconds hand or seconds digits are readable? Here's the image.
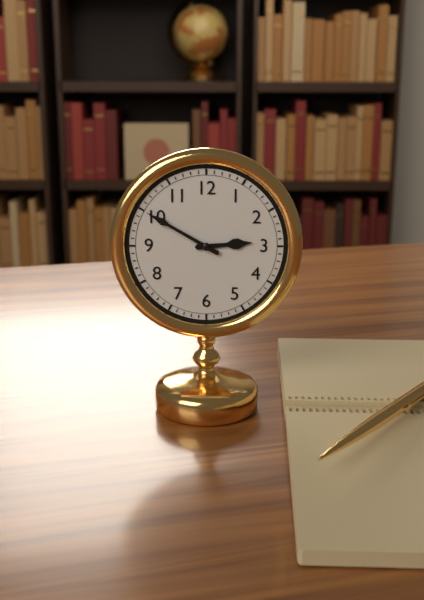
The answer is 2:50
